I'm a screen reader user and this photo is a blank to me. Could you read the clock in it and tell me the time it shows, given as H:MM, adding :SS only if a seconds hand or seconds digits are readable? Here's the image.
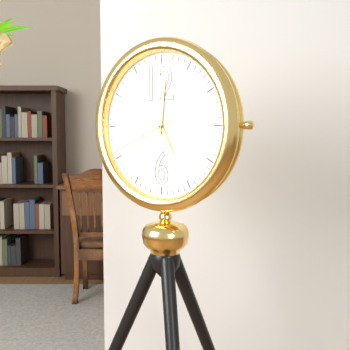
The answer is 5:01:41
